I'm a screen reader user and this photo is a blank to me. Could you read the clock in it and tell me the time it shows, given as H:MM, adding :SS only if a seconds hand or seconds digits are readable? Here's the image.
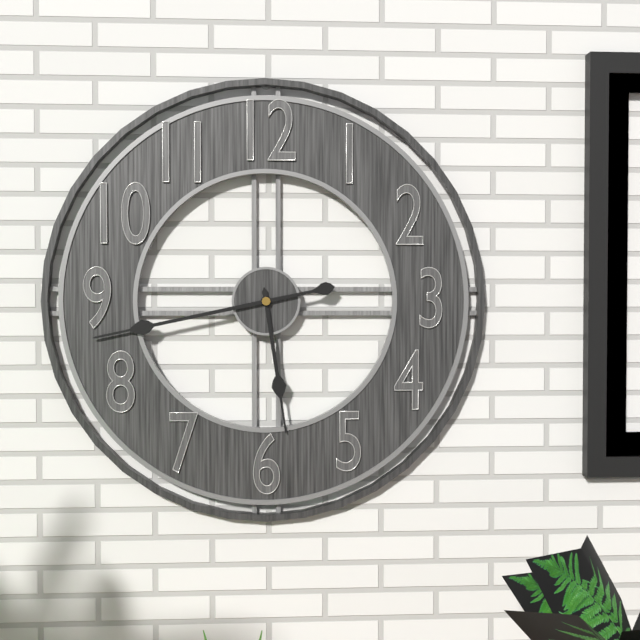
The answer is 5:43
